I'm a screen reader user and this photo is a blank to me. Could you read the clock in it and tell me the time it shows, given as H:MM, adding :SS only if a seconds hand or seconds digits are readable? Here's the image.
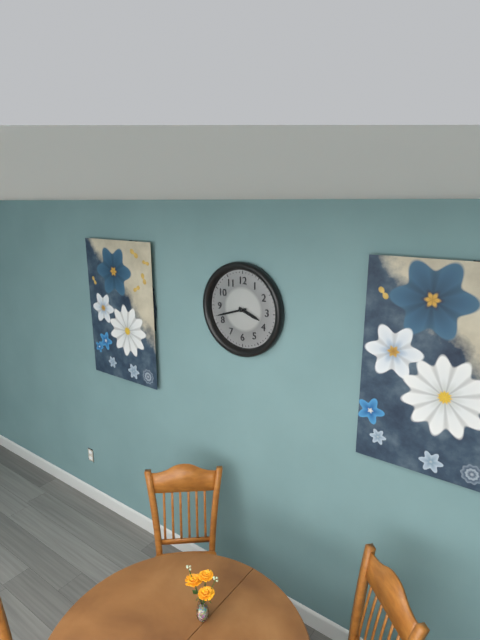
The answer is 3:42
